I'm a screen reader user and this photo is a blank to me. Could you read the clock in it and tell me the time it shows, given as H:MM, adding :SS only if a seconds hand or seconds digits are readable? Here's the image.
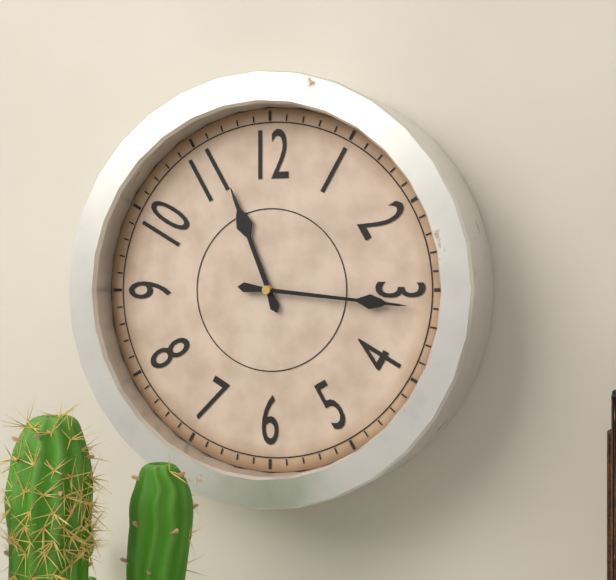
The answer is 11:16
